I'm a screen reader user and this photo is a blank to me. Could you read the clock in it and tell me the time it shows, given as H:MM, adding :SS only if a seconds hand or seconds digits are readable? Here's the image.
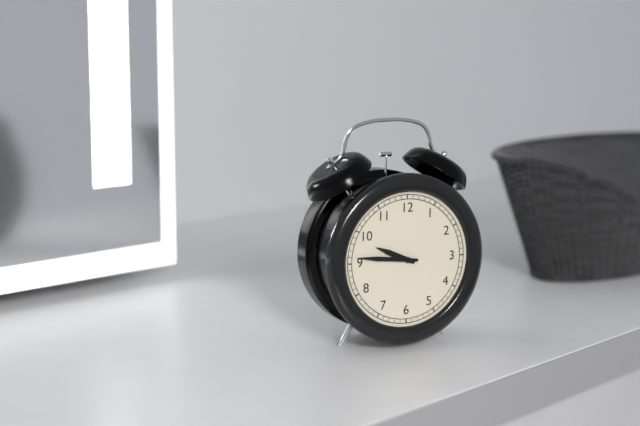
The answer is 9:46
